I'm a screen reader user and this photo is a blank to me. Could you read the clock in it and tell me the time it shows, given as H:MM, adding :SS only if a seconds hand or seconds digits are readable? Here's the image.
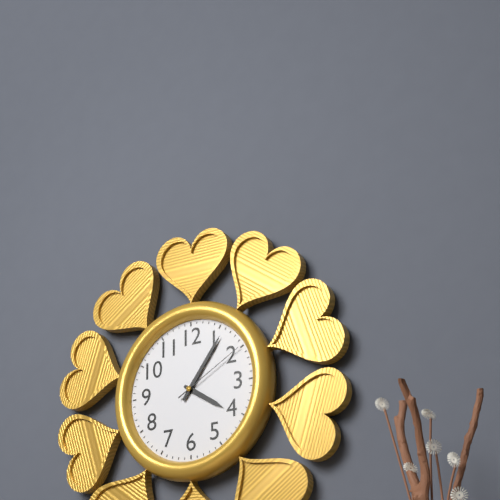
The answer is 4:06:10
